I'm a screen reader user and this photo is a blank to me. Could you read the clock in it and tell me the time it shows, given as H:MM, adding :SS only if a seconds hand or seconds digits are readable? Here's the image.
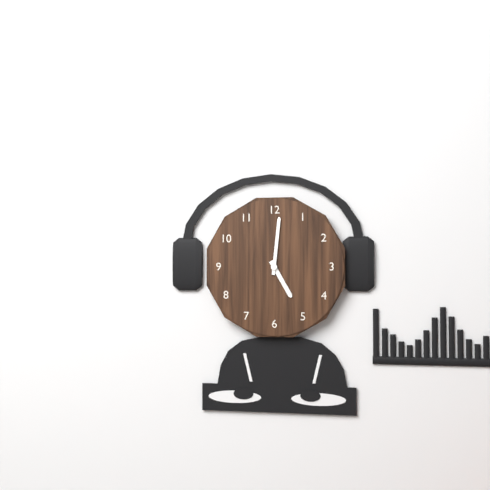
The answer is 5:01
